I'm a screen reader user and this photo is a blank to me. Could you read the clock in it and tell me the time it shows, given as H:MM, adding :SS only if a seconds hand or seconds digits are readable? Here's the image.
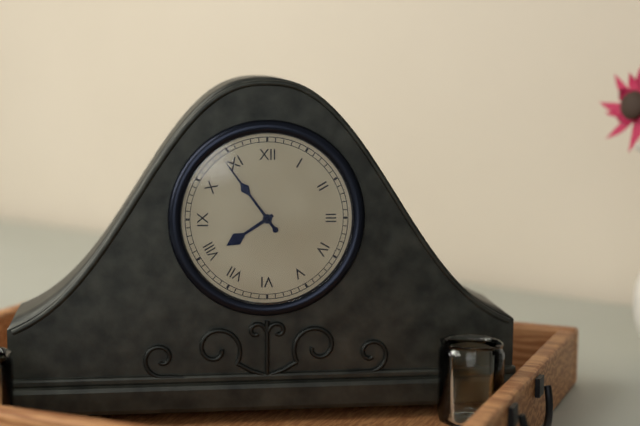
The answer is 7:54
